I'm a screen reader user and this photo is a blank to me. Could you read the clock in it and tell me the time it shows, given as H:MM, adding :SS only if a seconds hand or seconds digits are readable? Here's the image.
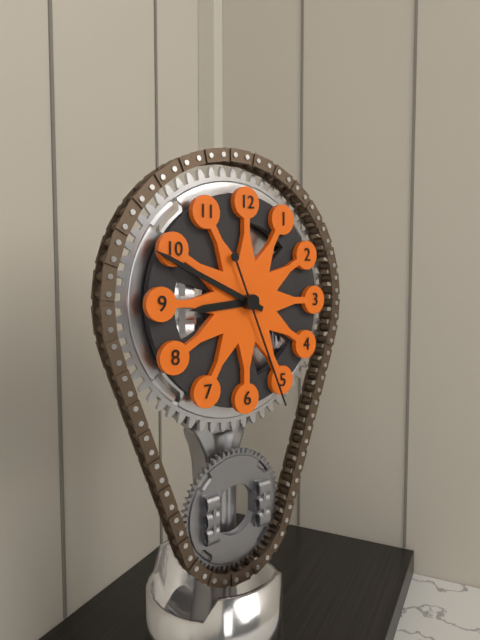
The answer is 8:49:26
